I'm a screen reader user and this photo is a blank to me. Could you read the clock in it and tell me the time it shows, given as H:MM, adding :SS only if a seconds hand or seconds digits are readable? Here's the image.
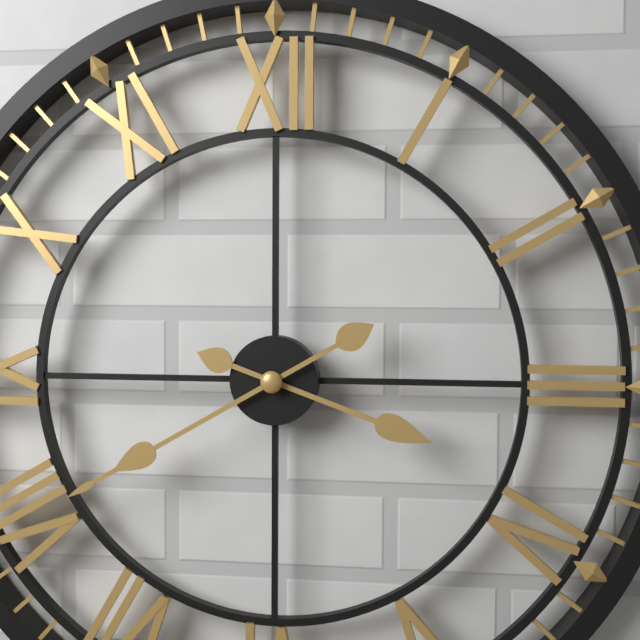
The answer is 3:40
